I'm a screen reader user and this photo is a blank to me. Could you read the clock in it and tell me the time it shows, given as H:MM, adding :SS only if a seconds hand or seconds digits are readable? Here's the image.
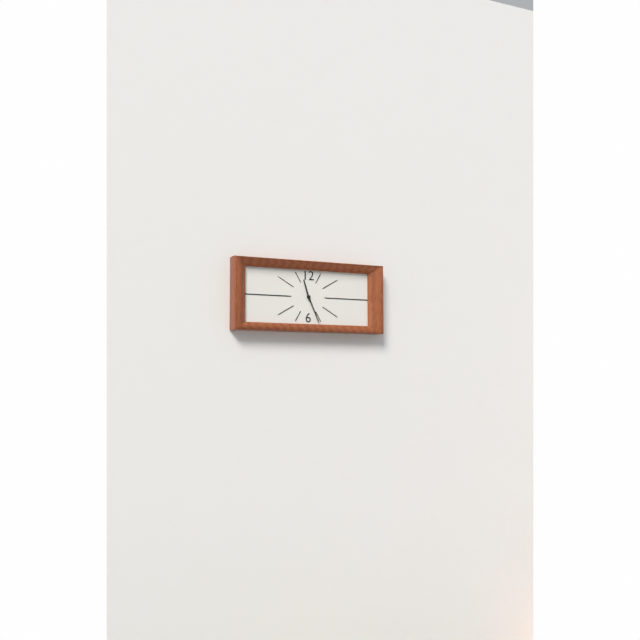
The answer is 11:26
